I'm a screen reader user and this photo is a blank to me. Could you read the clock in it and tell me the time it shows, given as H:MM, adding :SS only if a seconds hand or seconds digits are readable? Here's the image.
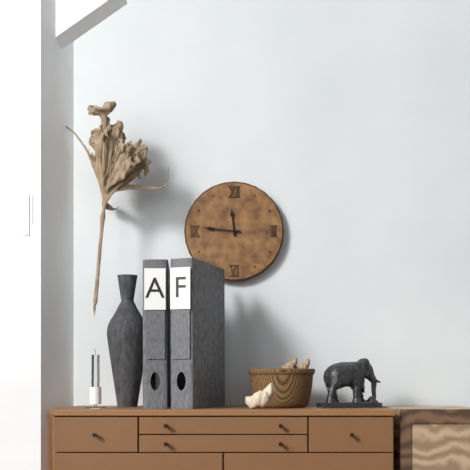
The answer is 11:46
